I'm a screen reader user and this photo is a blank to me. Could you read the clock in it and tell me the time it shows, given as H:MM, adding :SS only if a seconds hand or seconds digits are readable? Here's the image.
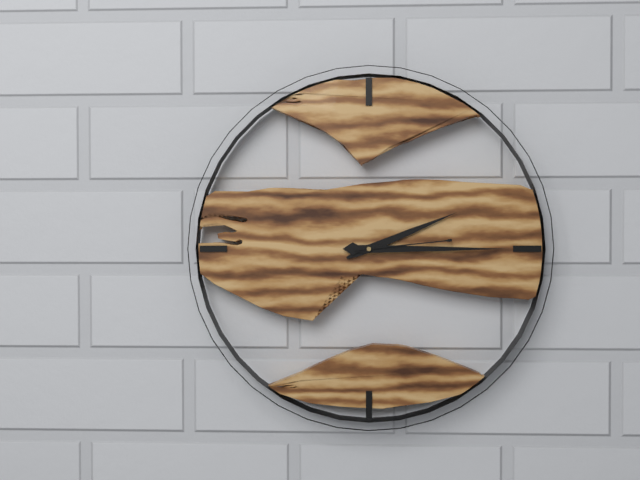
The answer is 2:15:14
